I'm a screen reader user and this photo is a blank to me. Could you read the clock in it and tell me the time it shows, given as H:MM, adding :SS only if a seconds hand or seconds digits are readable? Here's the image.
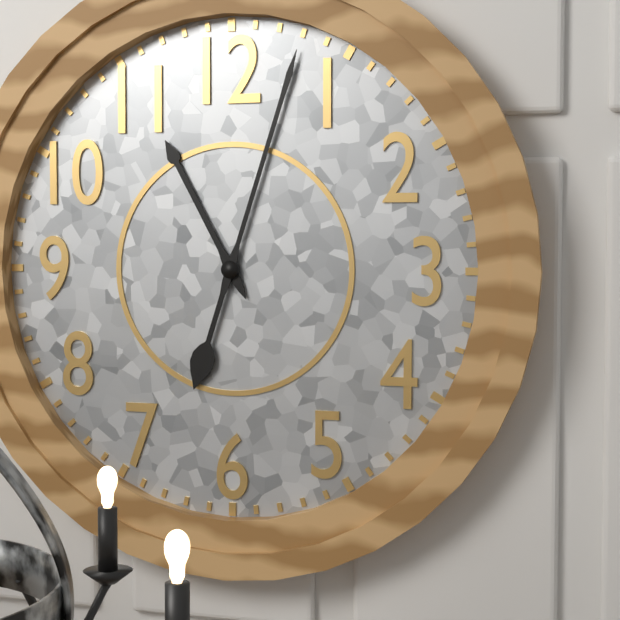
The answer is 11:03
